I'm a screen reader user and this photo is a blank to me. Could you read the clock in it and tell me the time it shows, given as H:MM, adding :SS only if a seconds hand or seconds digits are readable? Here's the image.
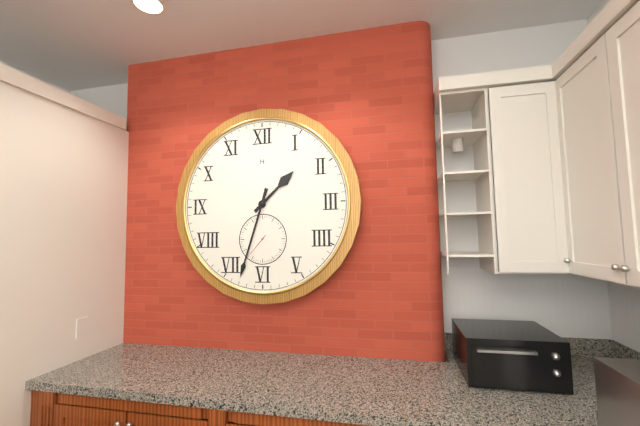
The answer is 1:33
